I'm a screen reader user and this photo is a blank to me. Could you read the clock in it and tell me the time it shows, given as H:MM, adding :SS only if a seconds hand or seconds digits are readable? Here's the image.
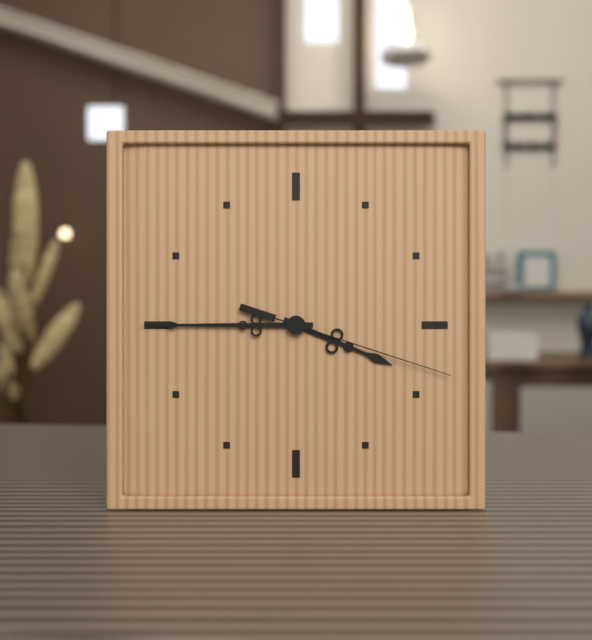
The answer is 3:45:18
